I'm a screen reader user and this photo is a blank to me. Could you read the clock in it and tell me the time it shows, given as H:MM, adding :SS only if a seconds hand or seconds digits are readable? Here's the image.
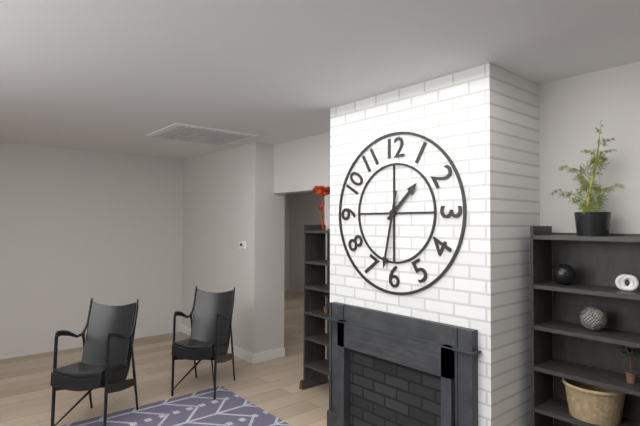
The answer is 1:32
